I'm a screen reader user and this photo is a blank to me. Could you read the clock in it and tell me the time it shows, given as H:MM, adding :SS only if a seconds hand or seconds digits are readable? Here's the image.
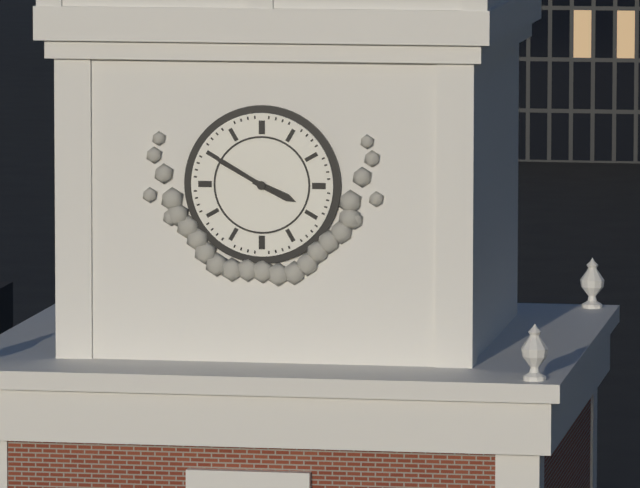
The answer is 3:50
